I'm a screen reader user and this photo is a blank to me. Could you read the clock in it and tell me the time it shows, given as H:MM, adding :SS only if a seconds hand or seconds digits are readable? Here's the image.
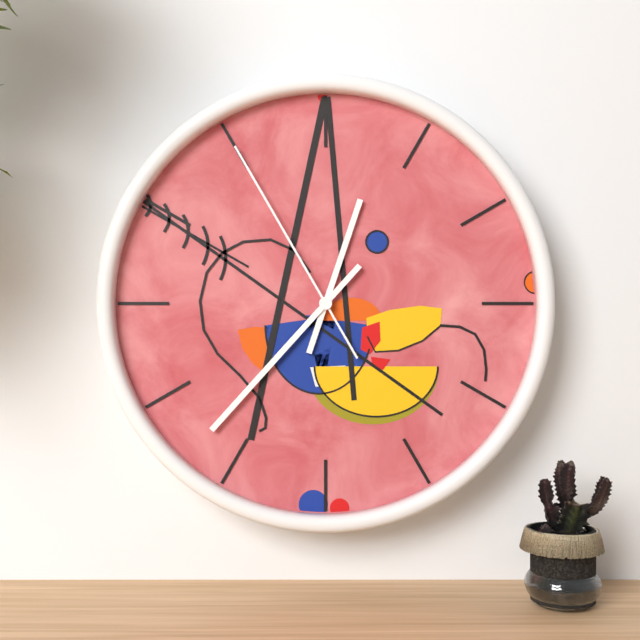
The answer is 12:37:55
